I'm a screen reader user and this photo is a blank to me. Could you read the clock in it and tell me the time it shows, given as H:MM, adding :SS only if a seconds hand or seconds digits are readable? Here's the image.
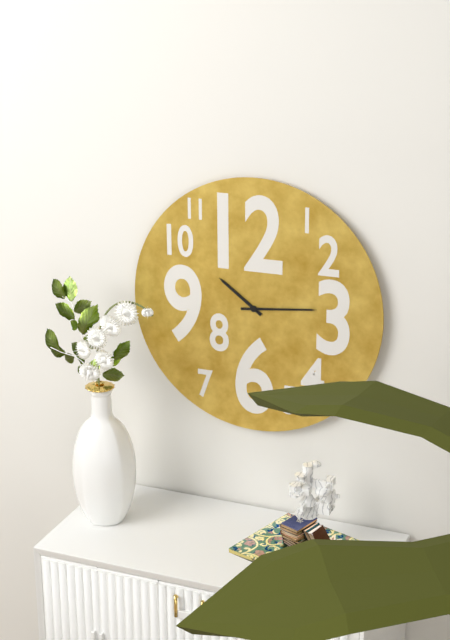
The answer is 10:14
